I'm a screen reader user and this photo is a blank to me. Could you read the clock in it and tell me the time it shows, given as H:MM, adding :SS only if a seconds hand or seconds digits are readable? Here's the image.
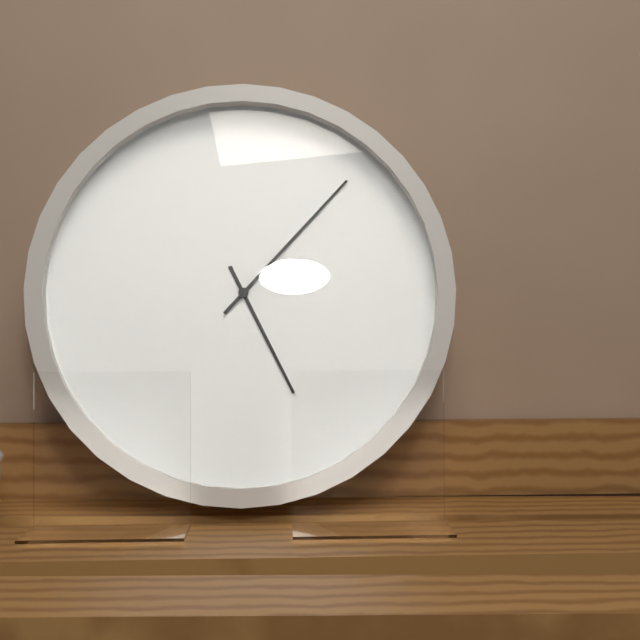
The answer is 5:07
